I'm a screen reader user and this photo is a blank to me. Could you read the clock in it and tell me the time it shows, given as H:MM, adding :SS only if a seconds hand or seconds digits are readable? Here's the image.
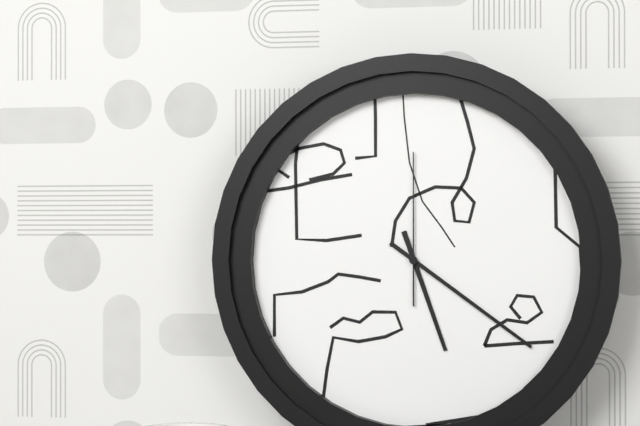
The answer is 5:21:00
